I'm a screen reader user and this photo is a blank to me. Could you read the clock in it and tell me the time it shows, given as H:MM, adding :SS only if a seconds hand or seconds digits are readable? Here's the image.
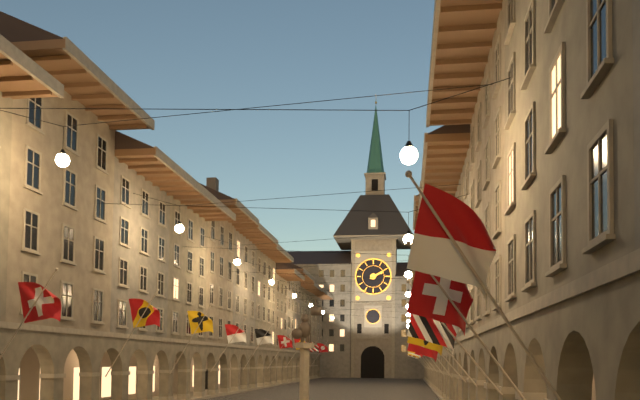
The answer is 2:10
